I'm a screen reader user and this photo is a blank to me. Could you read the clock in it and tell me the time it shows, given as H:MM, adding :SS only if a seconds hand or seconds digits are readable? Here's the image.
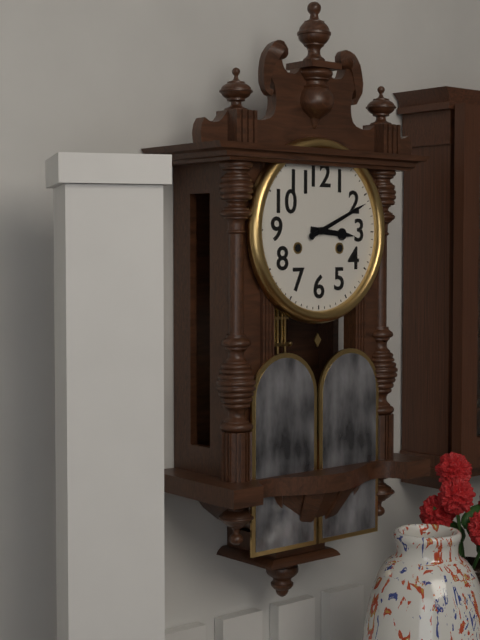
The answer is 3:11
